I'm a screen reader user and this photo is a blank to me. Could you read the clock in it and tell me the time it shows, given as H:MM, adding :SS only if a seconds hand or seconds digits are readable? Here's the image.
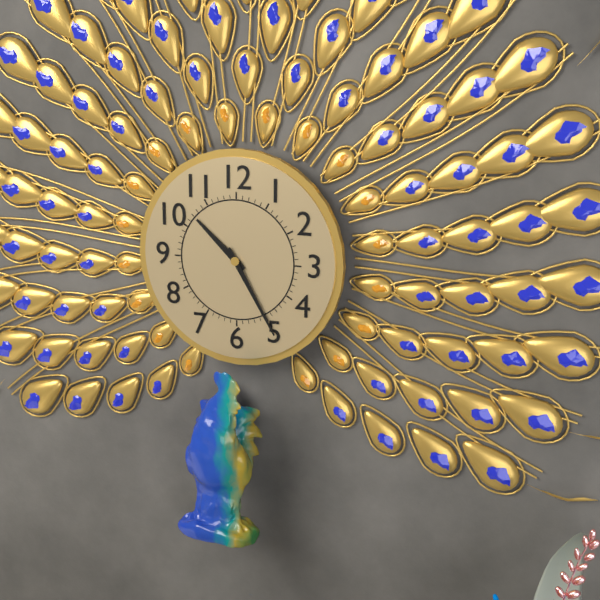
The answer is 10:25
